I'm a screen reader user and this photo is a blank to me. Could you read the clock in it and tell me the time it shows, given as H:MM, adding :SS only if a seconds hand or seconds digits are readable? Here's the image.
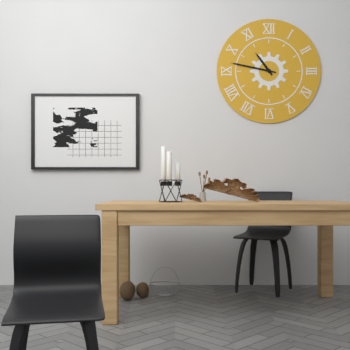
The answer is 10:47
